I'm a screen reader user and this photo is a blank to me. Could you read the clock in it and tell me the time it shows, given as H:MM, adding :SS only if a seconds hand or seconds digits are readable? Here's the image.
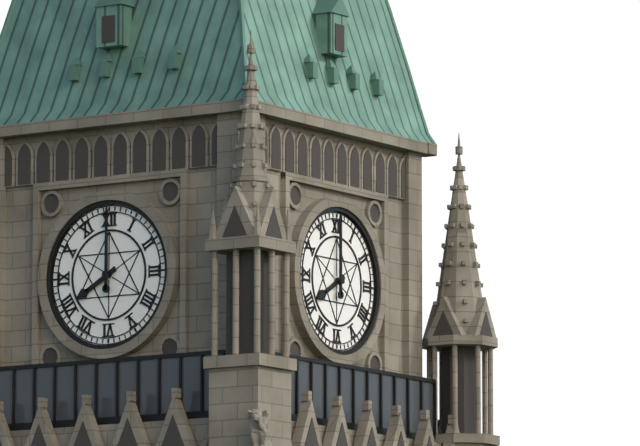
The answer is 8:00
